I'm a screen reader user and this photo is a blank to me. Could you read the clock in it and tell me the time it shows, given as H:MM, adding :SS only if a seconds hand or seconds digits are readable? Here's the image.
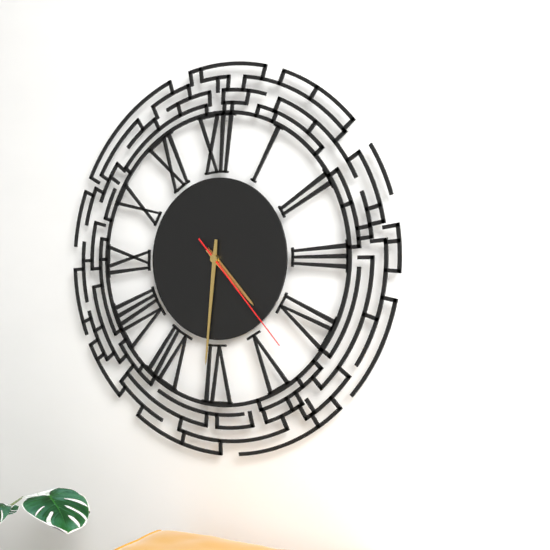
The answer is 4:31:23
